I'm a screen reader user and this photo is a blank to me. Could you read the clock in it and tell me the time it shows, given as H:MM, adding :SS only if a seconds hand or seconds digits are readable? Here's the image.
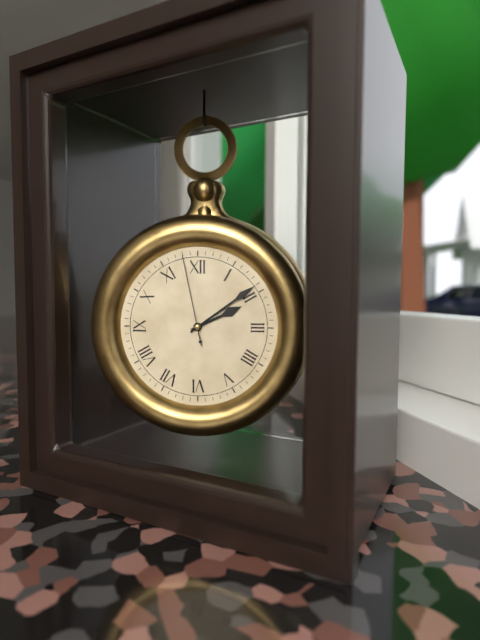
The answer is 2:09:58
